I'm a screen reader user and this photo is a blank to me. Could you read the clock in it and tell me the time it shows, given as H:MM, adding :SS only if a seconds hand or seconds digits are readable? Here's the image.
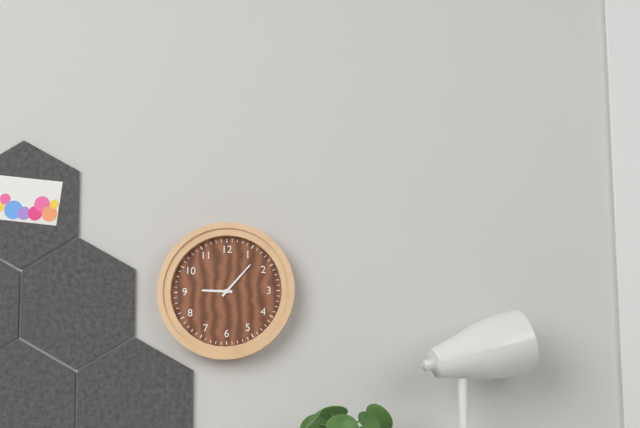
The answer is 9:07
